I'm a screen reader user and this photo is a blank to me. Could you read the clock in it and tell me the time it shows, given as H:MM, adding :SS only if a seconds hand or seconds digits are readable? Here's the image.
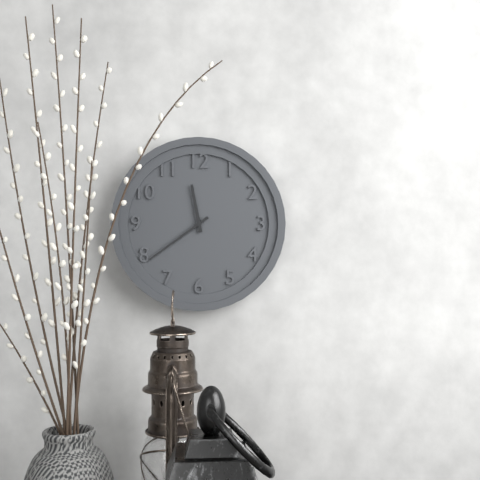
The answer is 11:39
